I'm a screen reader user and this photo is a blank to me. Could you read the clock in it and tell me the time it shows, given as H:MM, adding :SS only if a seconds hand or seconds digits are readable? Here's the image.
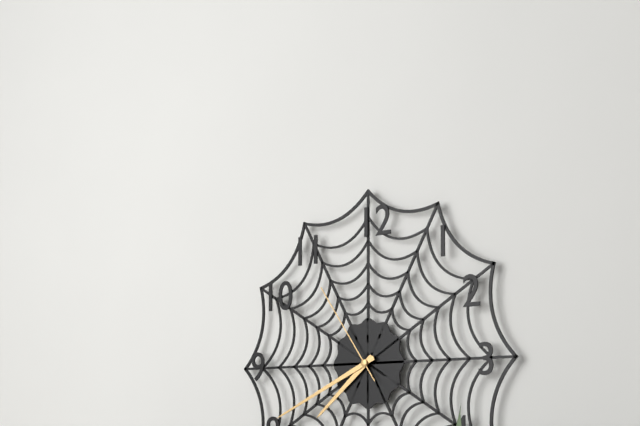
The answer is 7:41:54
